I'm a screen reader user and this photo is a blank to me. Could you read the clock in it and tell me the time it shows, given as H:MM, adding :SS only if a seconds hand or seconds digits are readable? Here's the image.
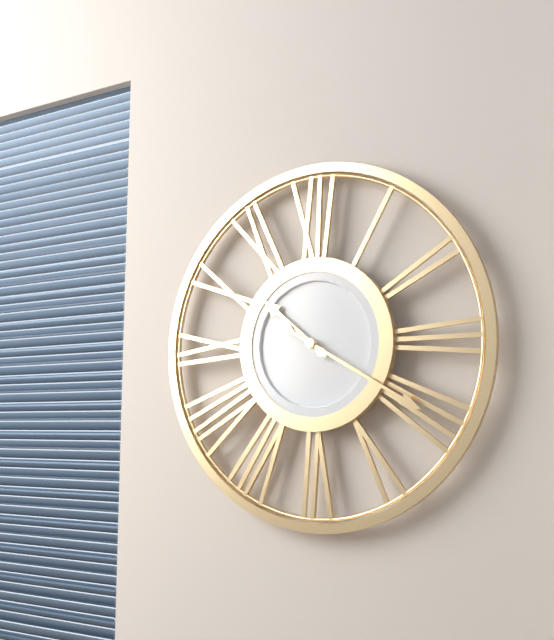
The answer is 10:20
